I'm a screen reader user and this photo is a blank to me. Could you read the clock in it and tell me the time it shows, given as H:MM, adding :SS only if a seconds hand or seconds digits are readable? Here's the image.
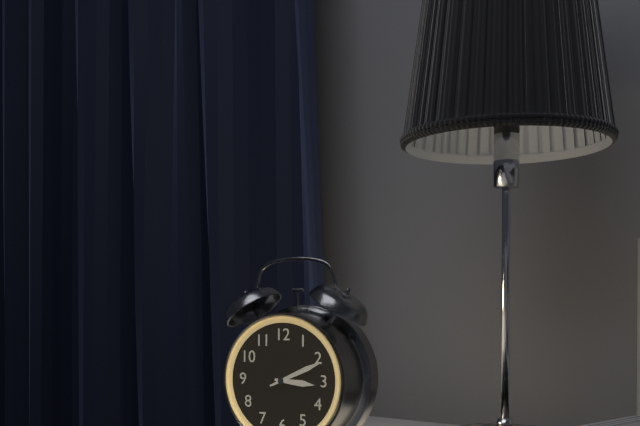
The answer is 3:11
